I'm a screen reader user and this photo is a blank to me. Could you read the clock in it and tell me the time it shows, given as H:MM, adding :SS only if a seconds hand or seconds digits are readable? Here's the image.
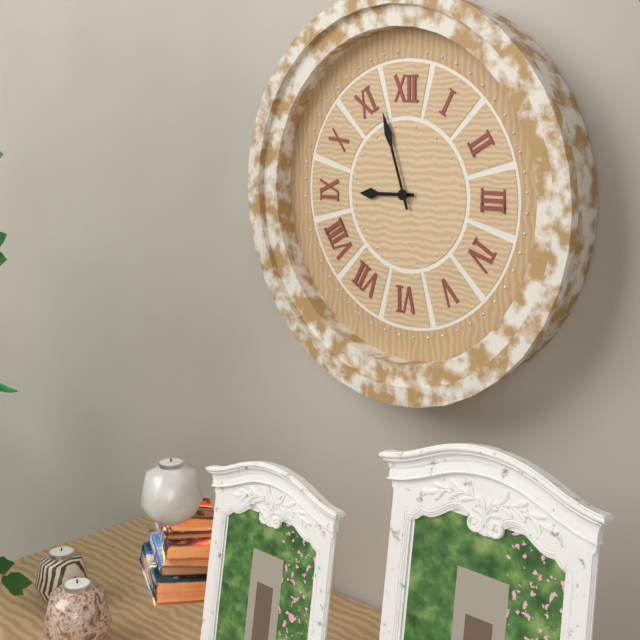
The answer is 8:57
